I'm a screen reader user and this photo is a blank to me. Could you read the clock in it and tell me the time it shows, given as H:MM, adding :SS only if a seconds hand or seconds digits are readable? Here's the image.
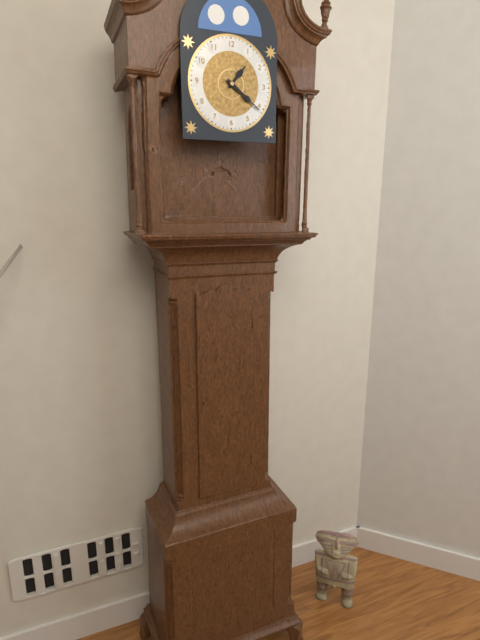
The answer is 1:21
